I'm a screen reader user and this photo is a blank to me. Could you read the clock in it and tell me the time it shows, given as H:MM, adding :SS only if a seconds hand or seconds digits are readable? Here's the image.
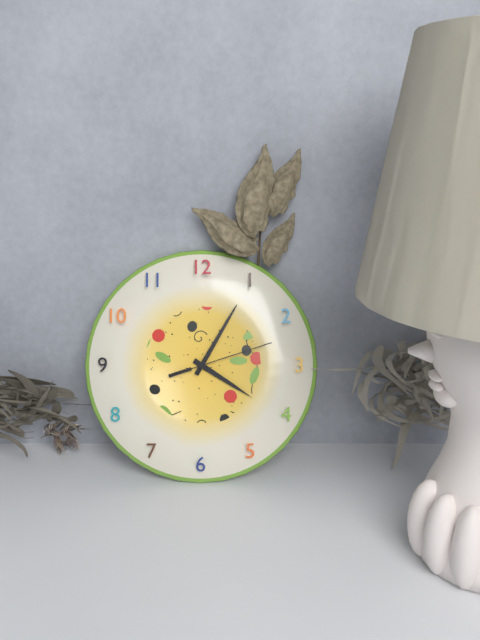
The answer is 4:05:12
